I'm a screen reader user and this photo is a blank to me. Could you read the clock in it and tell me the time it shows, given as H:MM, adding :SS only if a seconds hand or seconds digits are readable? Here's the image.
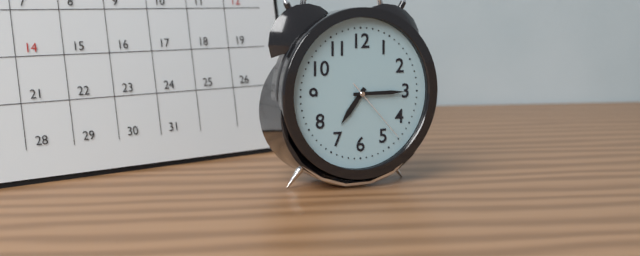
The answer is 7:15:23
